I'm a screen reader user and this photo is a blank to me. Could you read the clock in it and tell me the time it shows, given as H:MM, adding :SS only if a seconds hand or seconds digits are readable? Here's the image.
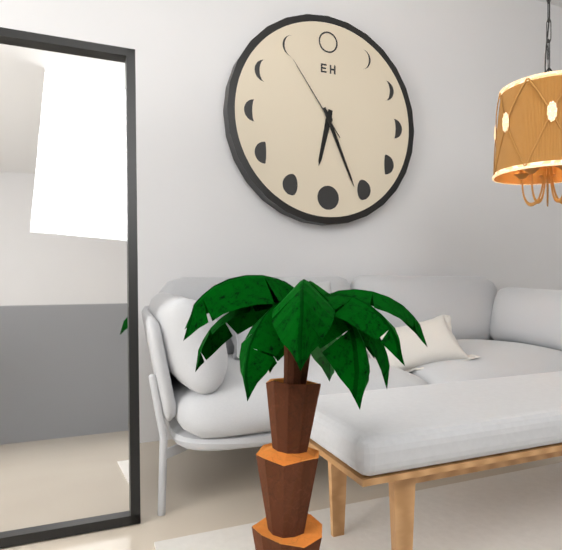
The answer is 6:26:54
